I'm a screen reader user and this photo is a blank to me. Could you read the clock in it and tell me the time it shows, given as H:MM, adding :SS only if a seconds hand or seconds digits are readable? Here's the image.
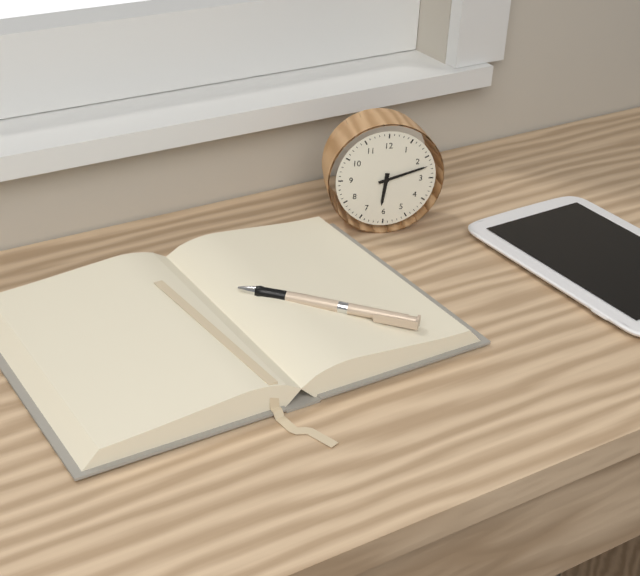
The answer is 6:12
